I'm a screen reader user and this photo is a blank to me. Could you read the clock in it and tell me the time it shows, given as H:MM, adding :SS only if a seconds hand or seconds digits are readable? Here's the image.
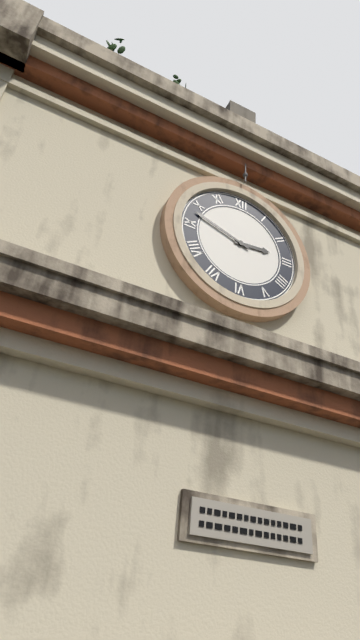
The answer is 2:48
